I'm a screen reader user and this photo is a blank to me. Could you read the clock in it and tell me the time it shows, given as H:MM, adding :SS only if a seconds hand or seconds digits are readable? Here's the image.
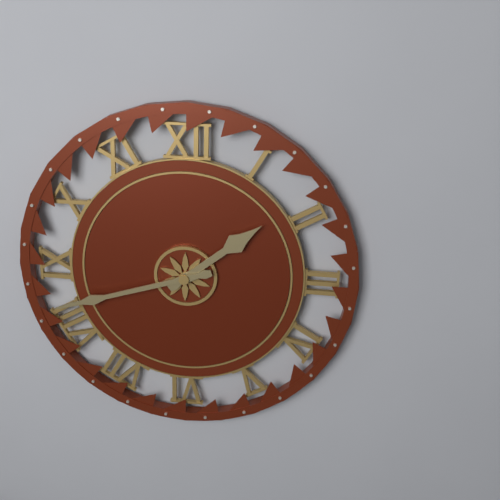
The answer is 1:42
